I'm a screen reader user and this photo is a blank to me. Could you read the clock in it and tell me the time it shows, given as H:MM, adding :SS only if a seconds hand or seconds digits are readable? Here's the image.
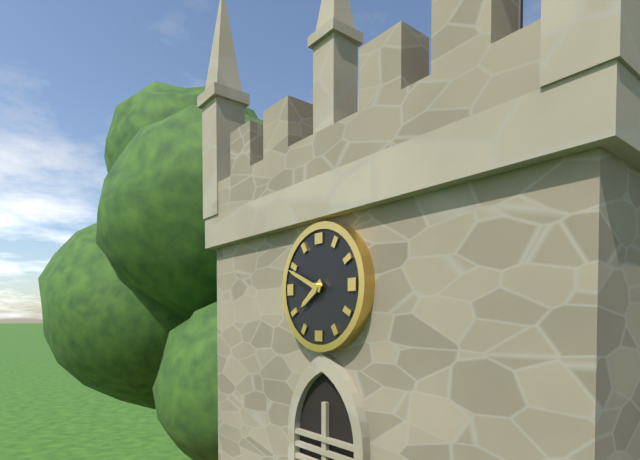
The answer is 7:49
